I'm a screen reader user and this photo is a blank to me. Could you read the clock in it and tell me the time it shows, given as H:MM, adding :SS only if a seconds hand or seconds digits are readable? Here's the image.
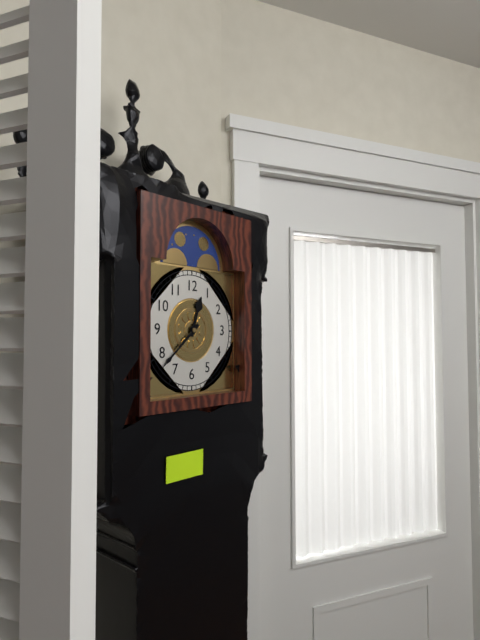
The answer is 12:38
